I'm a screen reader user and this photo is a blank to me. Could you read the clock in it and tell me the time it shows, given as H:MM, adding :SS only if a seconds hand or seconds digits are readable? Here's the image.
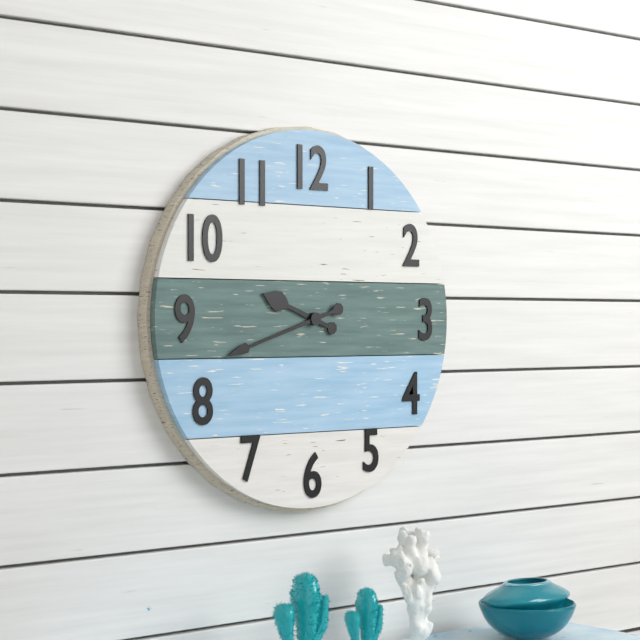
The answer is 9:42
